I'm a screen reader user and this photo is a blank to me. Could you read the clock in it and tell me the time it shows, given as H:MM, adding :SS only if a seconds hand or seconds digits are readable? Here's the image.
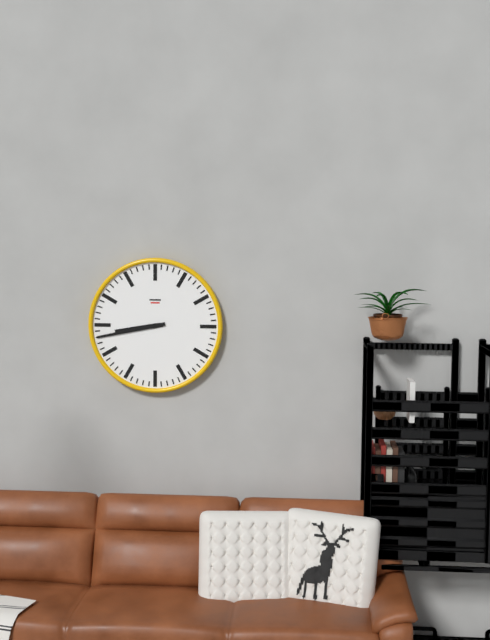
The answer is 8:43
